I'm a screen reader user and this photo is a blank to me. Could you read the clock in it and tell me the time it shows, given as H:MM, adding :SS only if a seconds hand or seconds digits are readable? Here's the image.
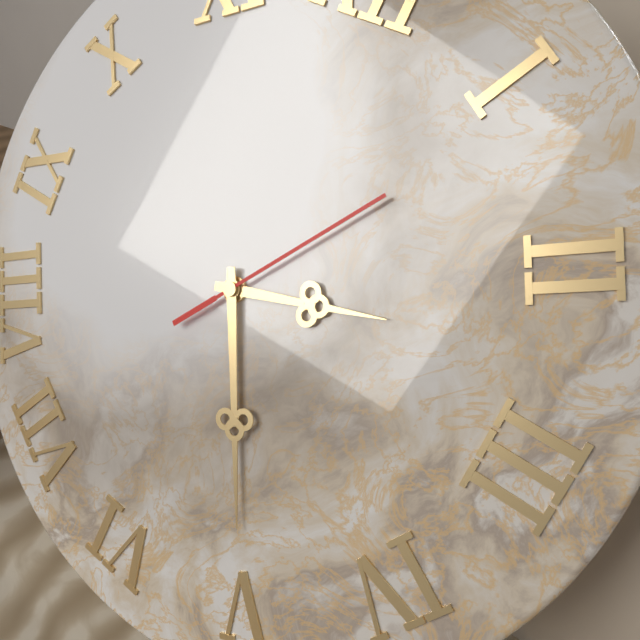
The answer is 2:25:06
